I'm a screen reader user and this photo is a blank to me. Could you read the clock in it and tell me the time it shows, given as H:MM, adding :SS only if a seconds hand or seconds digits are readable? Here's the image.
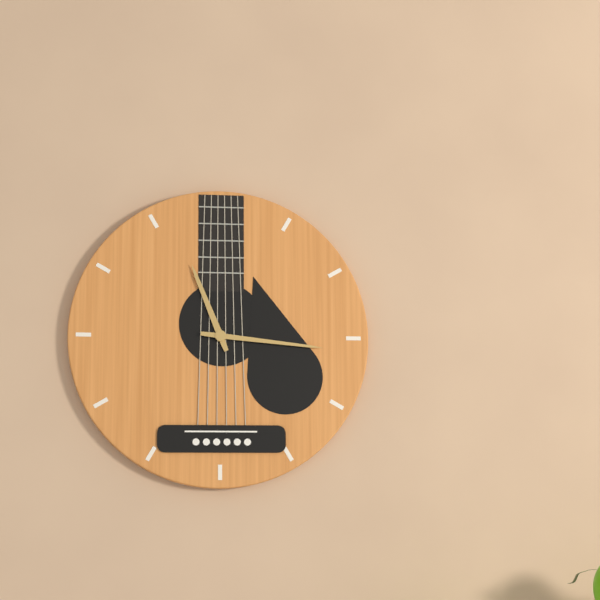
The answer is 11:16
